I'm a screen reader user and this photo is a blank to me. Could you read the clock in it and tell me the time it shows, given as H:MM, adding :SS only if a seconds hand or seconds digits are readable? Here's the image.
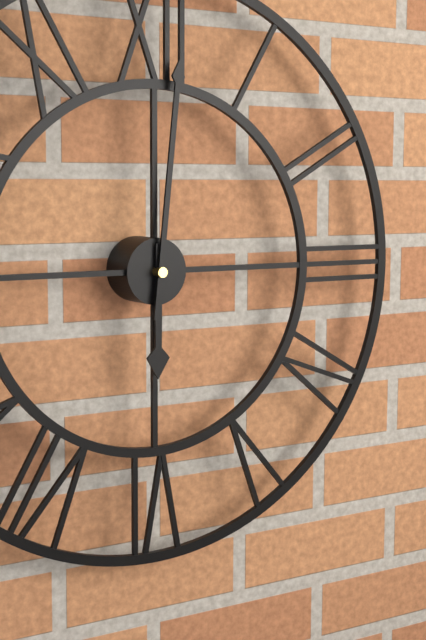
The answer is 6:01
